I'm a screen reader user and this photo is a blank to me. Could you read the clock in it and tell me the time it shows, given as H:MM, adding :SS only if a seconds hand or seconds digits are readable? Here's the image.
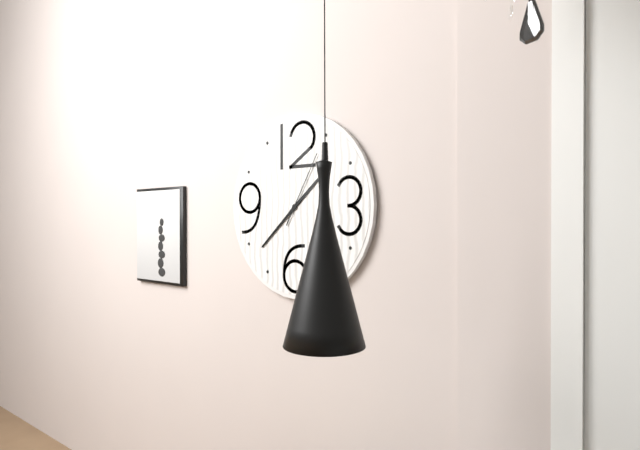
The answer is 1:38:05
